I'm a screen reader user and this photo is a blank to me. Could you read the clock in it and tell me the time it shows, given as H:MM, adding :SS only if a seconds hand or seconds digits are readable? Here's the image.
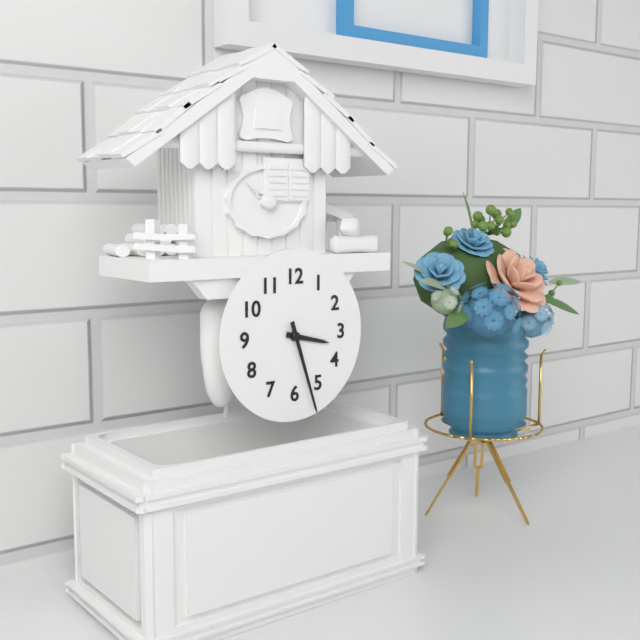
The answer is 3:27
